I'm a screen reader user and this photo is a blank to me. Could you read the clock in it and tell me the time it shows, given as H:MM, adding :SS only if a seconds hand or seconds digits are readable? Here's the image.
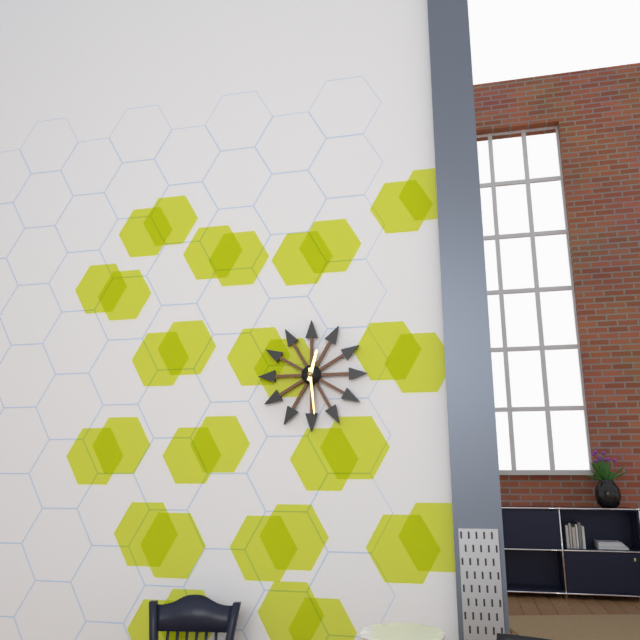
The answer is 12:29
